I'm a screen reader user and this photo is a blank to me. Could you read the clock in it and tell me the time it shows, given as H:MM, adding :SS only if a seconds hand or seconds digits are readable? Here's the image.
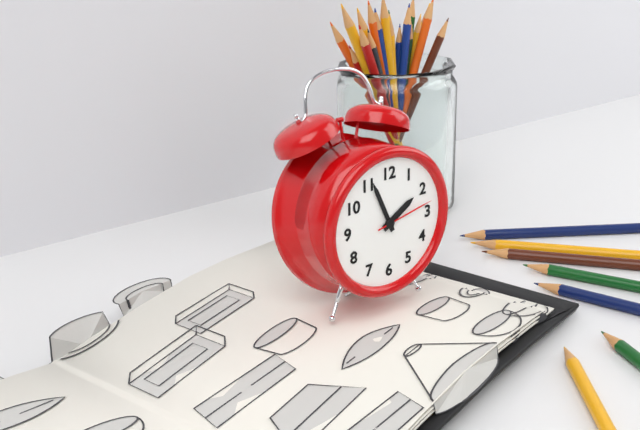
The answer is 1:56:13
